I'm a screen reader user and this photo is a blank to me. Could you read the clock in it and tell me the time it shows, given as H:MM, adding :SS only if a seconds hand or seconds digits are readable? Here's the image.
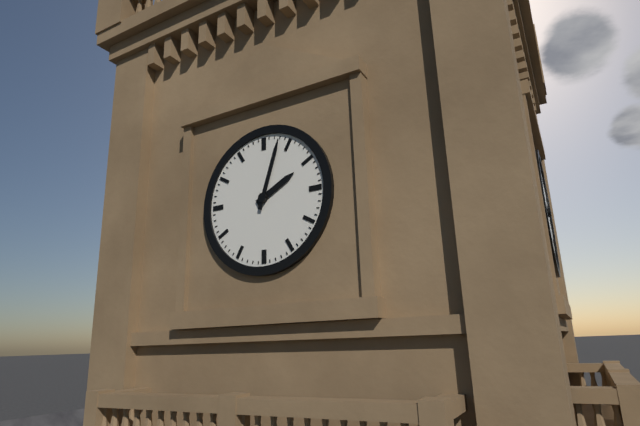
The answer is 2:03
